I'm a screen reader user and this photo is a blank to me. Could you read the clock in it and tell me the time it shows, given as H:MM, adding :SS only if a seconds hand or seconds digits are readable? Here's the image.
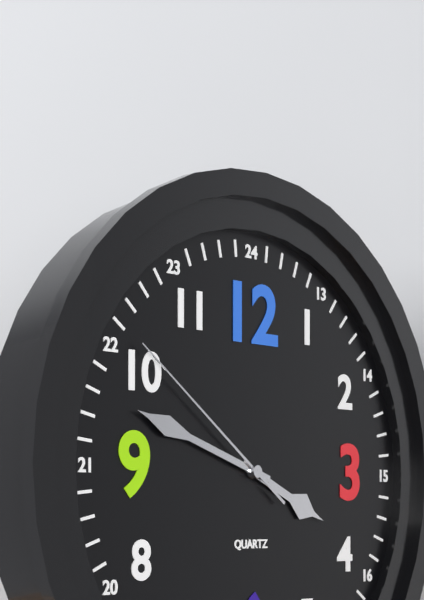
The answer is 3:48:51
